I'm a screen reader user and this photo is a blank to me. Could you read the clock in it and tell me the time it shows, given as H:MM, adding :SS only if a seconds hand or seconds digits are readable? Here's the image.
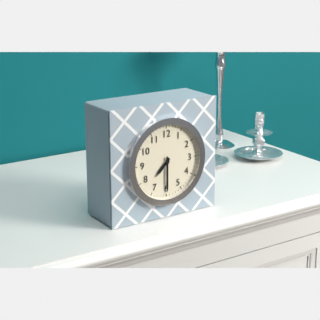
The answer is 7:30
